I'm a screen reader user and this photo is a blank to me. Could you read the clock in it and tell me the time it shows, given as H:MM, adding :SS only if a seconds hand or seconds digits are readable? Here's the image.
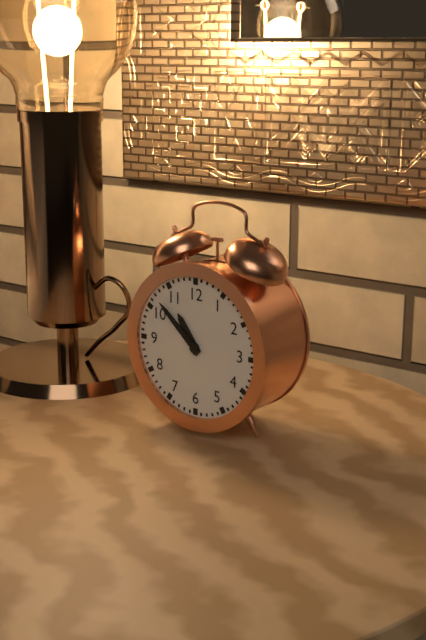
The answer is 10:52
